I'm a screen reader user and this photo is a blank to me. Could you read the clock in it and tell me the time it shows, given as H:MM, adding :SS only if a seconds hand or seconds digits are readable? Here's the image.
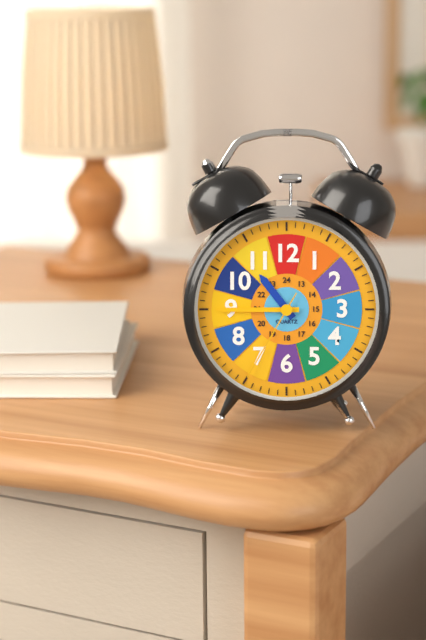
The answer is 10:45:35
